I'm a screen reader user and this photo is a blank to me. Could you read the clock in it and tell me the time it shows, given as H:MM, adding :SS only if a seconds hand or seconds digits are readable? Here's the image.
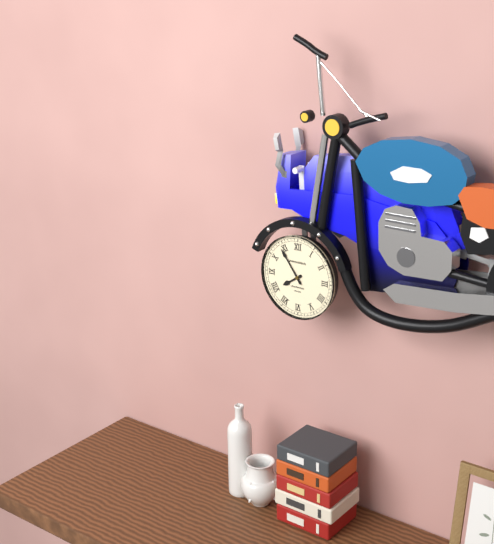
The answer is 7:54
